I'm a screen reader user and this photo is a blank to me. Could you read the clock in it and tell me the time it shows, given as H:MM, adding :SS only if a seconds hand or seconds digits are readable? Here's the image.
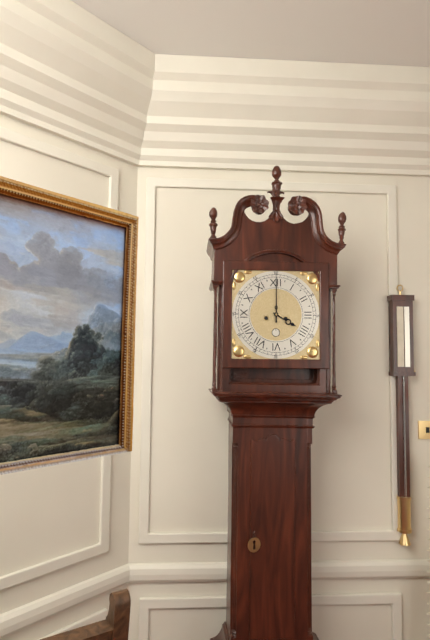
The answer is 4:00
